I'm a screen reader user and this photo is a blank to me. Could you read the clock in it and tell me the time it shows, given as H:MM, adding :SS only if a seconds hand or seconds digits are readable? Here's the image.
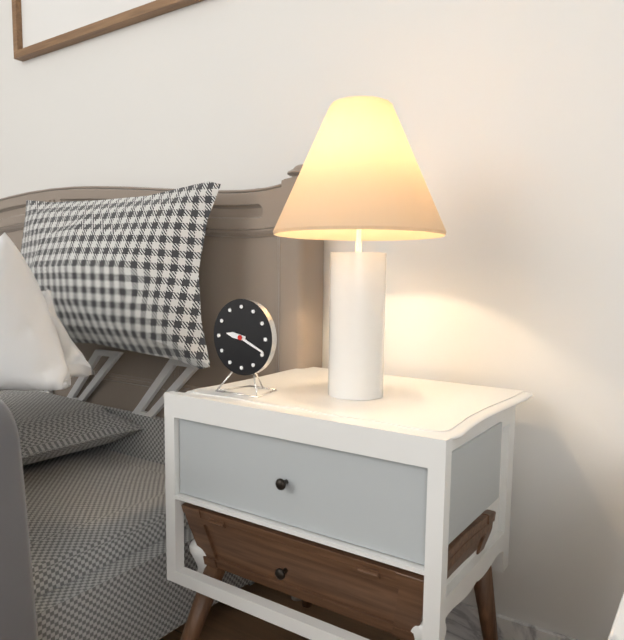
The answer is 9:19
